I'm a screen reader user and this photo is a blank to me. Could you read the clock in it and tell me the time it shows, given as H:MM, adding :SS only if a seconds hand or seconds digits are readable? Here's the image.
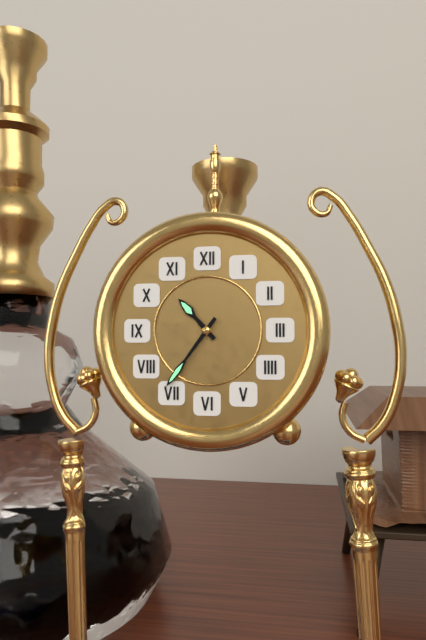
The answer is 10:36
